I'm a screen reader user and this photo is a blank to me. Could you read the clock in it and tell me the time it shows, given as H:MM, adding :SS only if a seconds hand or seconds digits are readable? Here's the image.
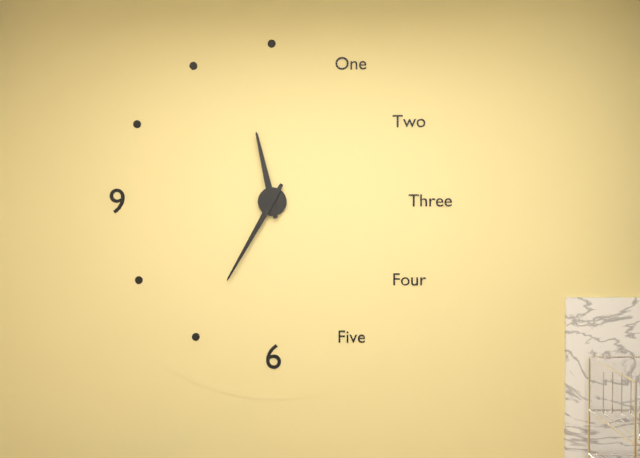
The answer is 11:35
